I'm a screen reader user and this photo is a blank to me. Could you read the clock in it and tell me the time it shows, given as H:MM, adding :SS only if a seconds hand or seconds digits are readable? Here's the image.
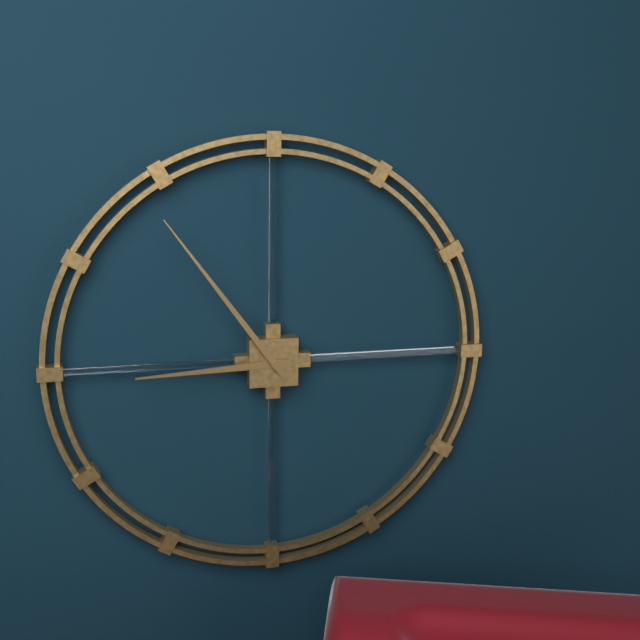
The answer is 8:54
